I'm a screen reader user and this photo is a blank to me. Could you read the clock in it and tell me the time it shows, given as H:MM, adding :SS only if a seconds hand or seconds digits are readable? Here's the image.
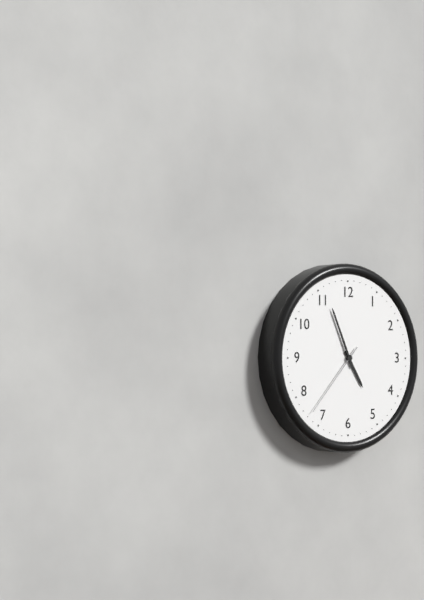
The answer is 4:56:37
